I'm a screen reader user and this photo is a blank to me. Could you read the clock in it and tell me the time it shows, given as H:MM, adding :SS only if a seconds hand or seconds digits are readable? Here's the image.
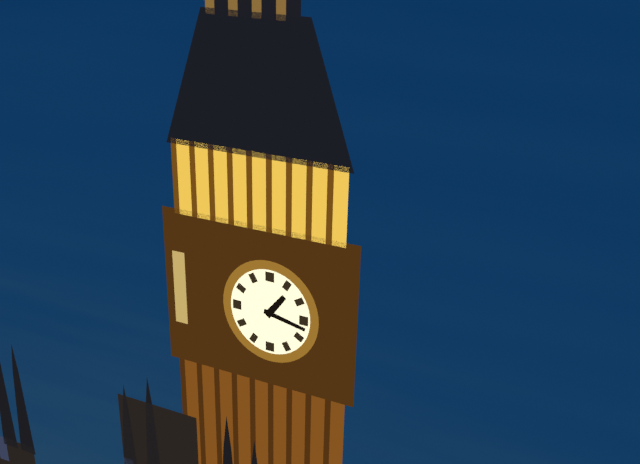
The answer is 1:17
